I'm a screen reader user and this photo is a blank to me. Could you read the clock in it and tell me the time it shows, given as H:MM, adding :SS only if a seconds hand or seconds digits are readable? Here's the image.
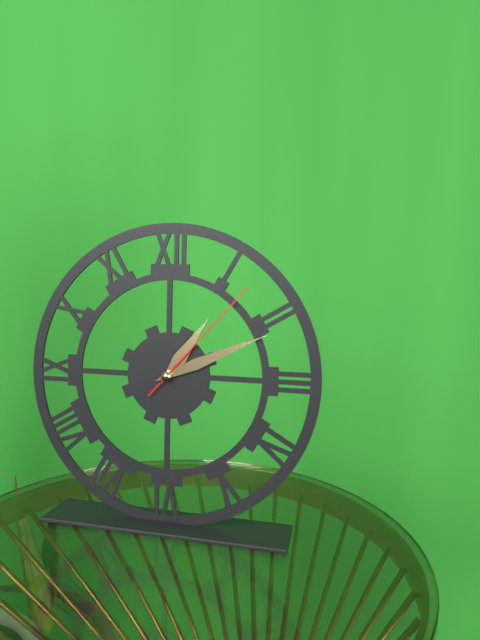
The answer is 1:11:07
